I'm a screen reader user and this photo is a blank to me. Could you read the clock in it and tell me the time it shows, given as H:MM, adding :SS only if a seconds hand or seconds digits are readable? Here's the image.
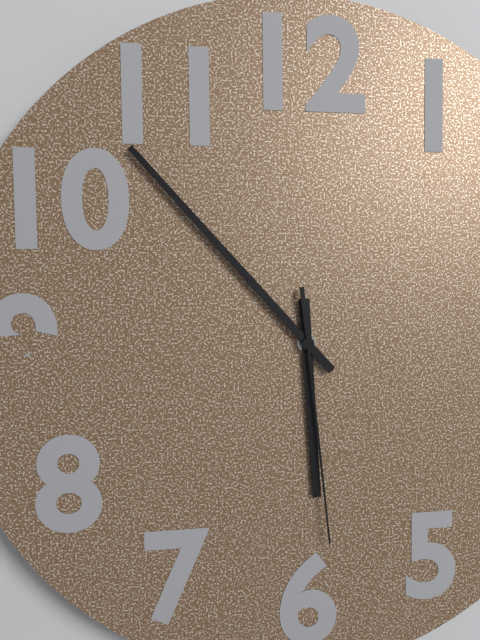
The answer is 5:53:29
